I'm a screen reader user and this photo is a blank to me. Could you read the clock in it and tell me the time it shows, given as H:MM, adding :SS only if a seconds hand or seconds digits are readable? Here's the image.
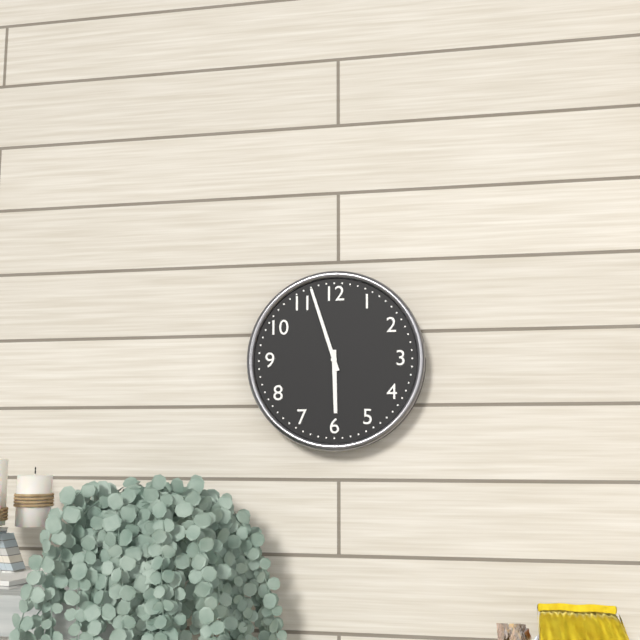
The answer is 5:57
